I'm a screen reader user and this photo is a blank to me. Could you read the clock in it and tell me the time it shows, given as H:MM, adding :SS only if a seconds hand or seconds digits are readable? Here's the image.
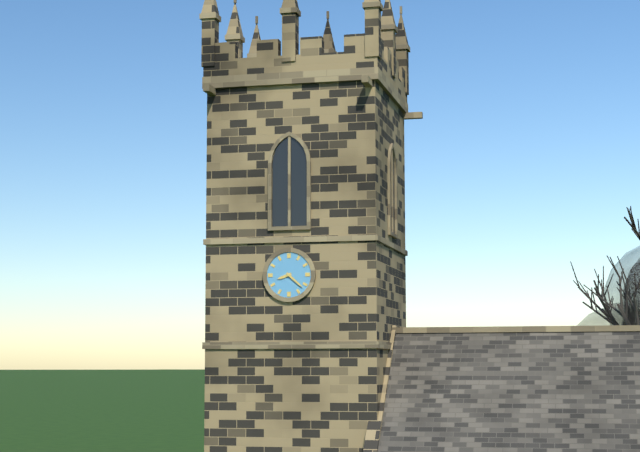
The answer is 8:22
